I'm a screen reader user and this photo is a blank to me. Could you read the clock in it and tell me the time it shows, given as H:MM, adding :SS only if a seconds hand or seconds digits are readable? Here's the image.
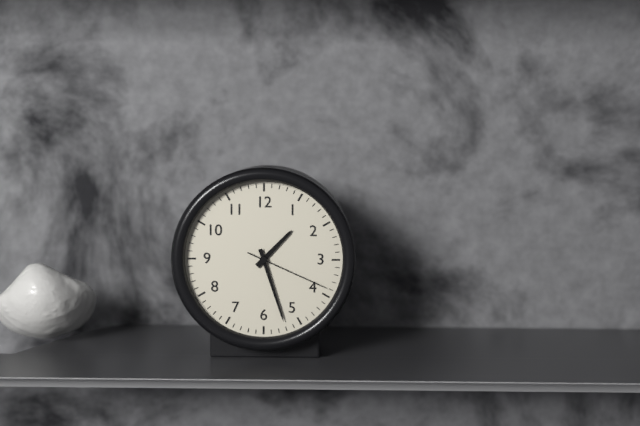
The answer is 1:27:19
